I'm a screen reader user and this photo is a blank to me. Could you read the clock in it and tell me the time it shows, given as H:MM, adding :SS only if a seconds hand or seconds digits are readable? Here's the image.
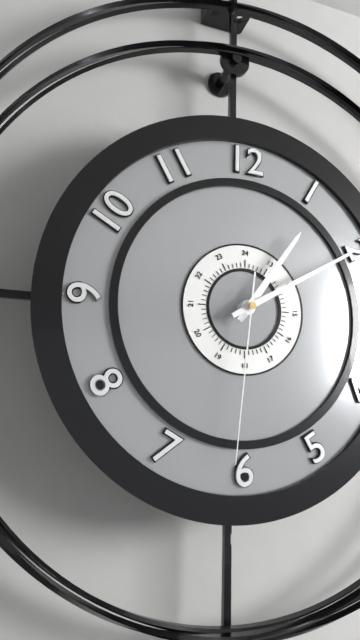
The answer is 1:10:31
